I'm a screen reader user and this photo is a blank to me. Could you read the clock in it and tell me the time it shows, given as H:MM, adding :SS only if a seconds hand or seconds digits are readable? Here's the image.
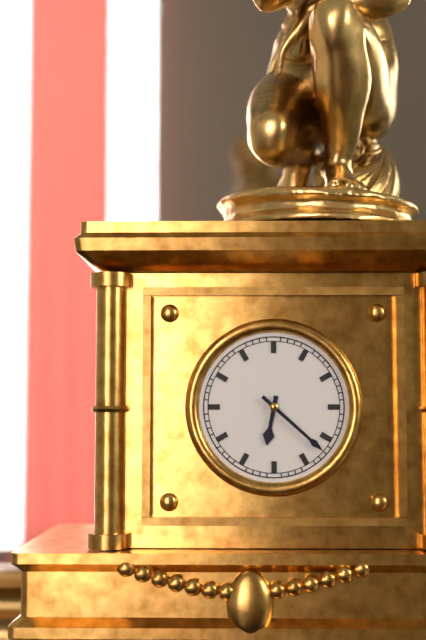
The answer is 6:22
